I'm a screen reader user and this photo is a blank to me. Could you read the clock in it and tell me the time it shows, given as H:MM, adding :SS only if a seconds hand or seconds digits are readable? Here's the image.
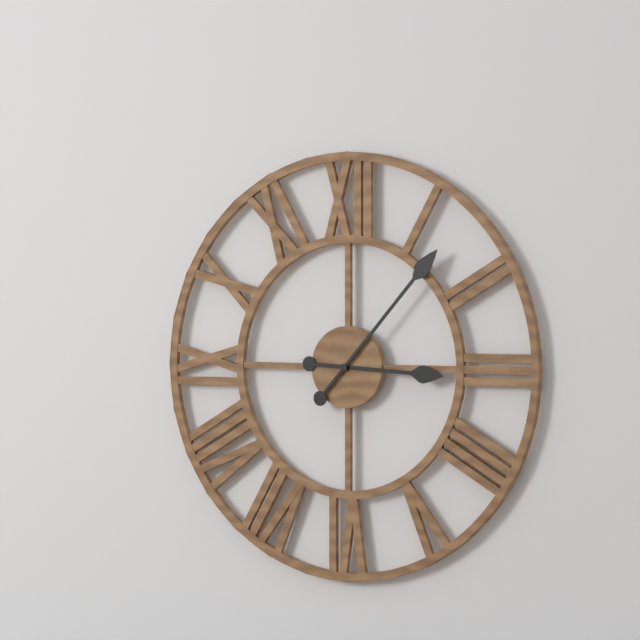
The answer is 3:07
